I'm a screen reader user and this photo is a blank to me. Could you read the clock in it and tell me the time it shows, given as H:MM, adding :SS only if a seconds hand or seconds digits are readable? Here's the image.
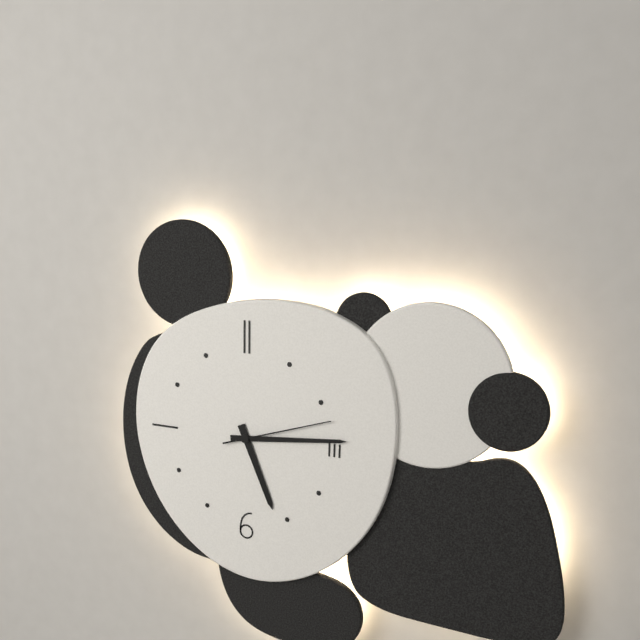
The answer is 5:14:12
